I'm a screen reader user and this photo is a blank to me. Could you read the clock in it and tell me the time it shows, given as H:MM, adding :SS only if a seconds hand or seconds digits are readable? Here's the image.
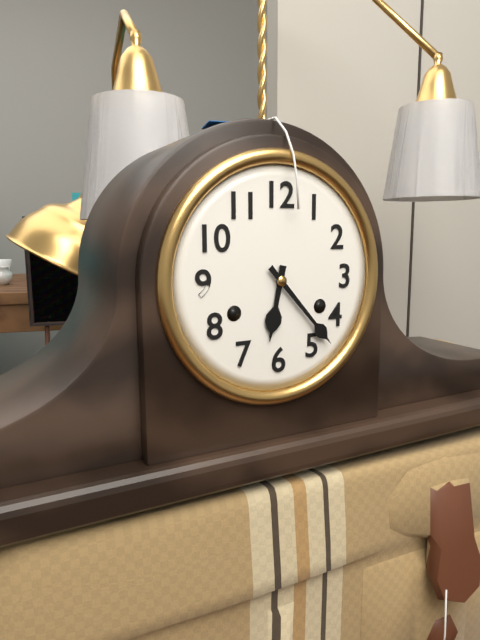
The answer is 6:23
